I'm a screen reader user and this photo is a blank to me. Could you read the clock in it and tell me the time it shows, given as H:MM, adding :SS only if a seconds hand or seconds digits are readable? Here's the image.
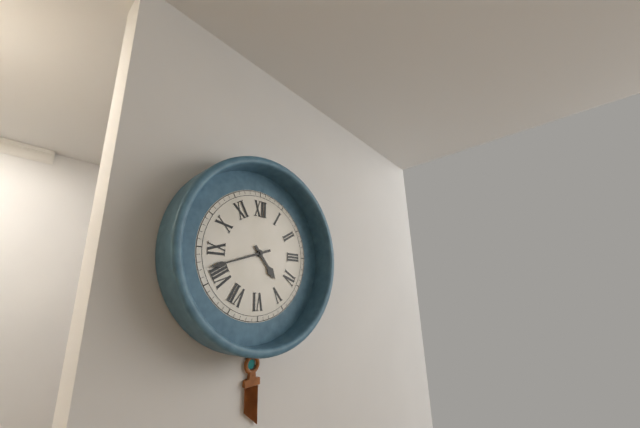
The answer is 4:42
